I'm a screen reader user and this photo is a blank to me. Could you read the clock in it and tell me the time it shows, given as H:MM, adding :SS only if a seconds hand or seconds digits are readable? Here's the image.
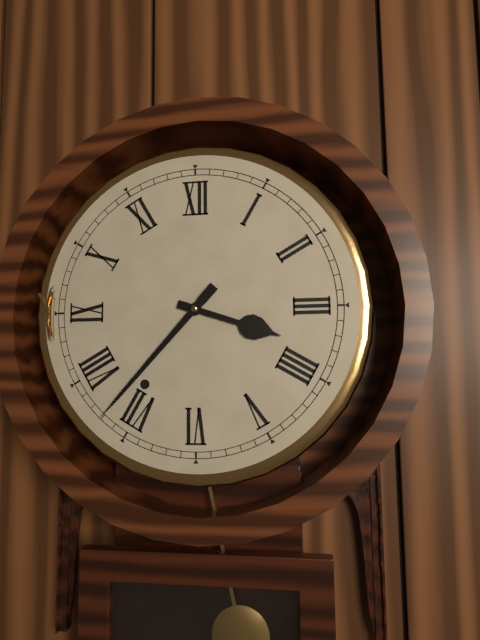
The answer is 3:37
